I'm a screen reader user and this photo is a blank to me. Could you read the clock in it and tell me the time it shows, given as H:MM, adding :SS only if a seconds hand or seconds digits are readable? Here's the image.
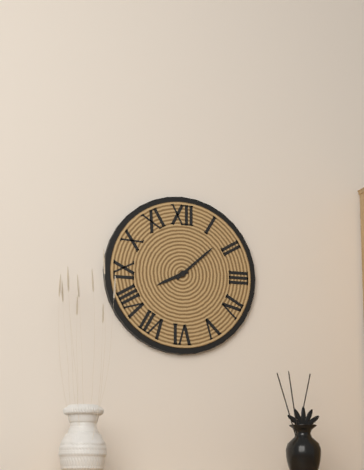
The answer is 8:08
